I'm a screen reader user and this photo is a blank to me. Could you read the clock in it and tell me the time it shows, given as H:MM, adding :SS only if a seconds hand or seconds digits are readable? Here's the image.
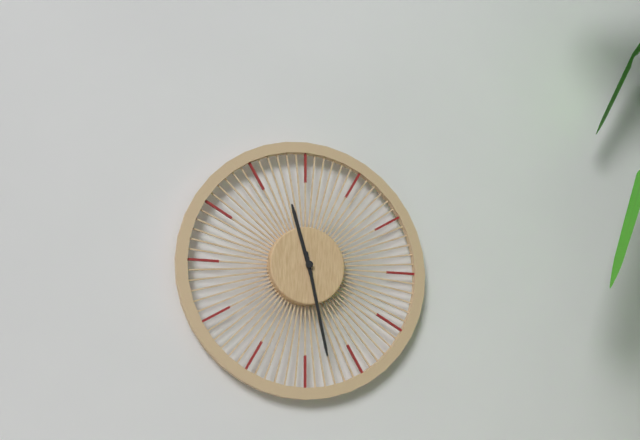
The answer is 11:28
